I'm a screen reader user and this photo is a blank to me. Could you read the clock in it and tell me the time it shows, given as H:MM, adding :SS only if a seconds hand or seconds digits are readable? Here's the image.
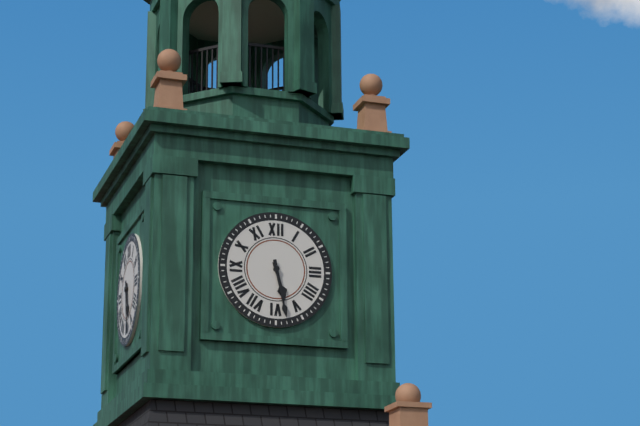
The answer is 5:28
